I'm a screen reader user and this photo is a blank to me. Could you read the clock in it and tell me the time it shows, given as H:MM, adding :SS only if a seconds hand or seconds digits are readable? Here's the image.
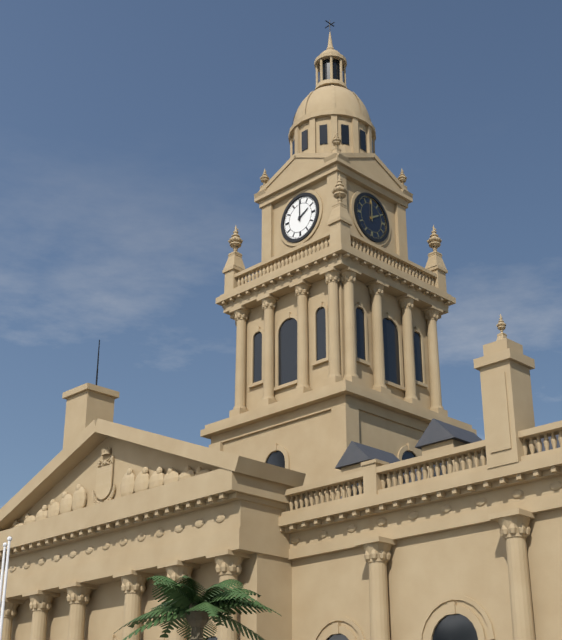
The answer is 2:00
